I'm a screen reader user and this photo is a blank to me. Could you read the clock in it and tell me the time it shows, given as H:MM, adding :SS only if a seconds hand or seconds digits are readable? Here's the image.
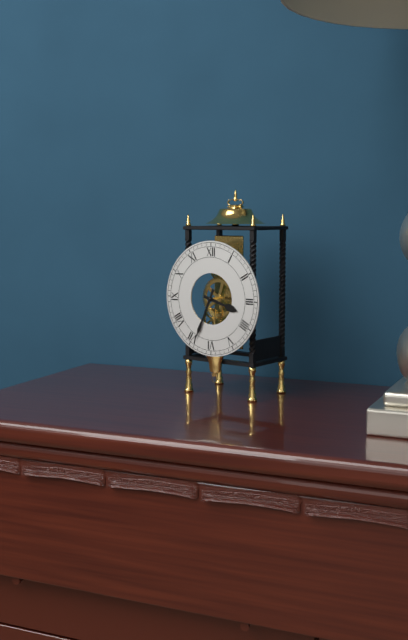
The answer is 3:34
